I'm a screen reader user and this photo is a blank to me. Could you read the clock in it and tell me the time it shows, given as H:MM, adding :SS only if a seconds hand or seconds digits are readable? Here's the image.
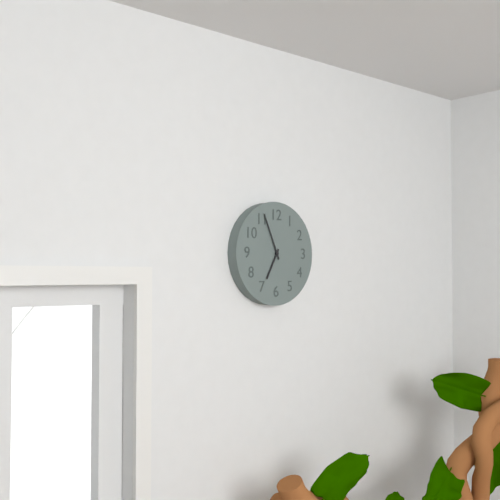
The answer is 6:56
